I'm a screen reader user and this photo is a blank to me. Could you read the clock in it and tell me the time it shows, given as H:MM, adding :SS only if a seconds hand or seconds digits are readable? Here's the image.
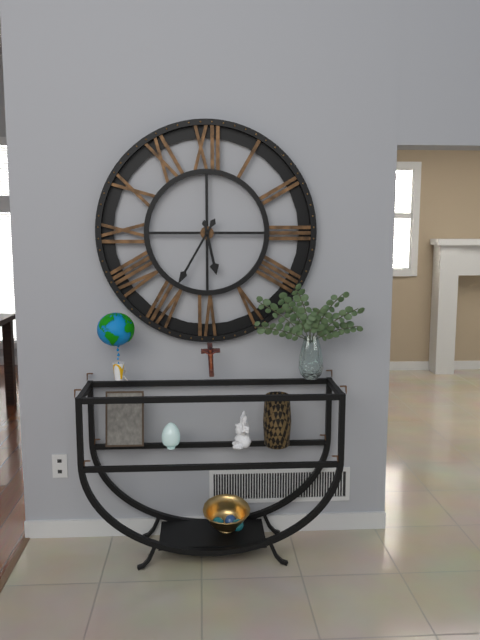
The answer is 5:35
